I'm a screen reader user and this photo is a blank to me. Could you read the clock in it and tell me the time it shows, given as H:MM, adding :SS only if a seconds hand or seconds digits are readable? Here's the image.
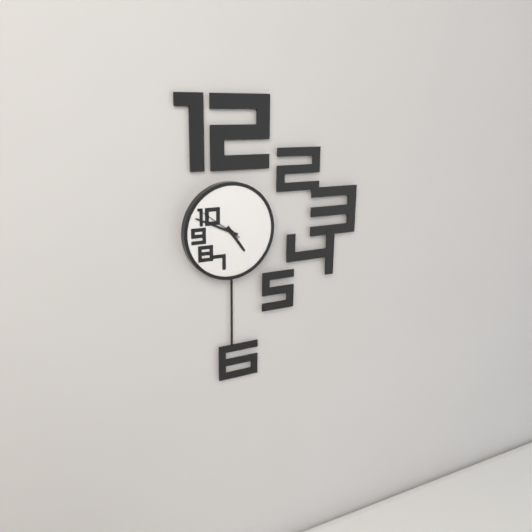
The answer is 4:49
